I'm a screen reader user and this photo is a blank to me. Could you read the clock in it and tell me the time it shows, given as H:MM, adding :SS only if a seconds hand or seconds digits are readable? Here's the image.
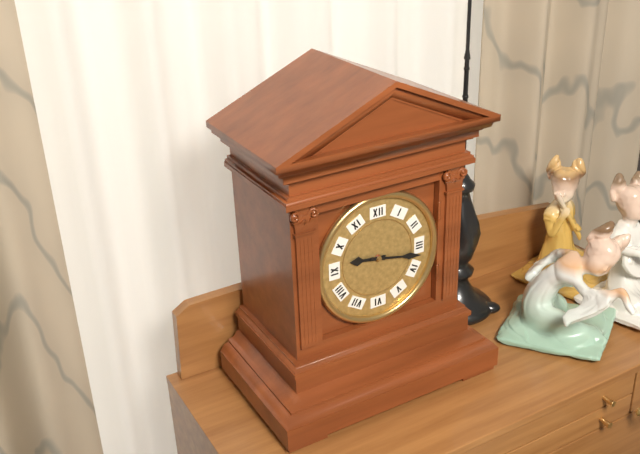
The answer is 9:17
